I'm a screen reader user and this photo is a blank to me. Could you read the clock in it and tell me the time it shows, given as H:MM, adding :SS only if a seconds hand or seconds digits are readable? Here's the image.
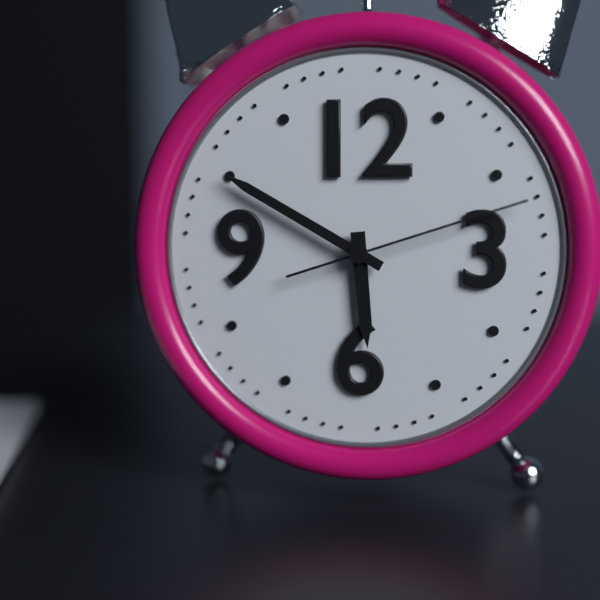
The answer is 5:50:12
